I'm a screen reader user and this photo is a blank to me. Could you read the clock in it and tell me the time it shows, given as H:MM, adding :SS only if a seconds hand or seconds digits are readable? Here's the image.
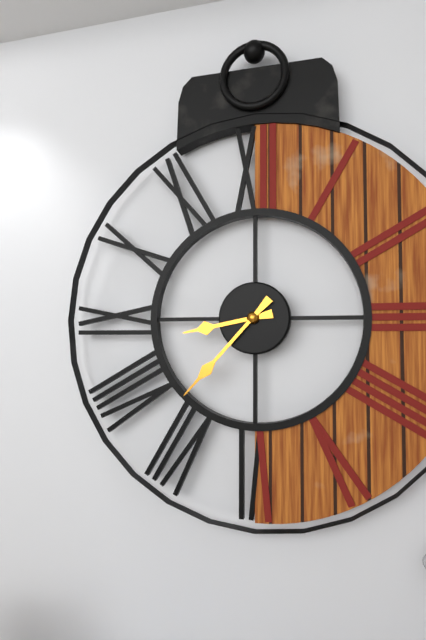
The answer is 8:37
